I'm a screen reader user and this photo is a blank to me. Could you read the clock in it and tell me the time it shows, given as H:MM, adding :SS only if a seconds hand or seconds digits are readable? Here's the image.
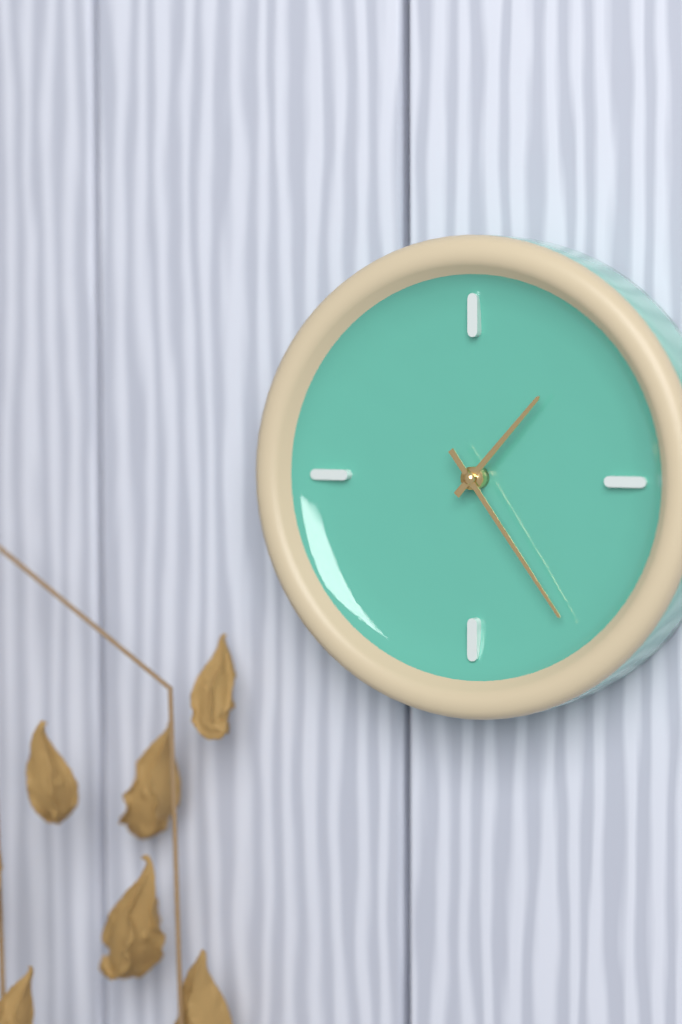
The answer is 1:24
